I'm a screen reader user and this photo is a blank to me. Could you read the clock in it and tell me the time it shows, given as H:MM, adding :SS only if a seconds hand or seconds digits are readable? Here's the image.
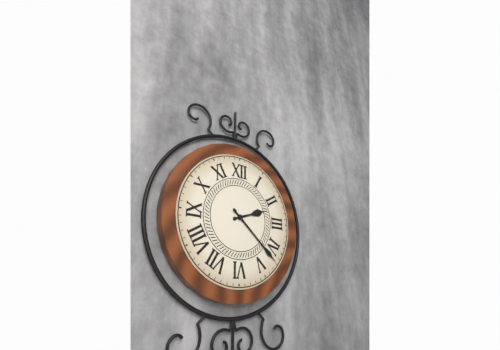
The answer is 2:22
